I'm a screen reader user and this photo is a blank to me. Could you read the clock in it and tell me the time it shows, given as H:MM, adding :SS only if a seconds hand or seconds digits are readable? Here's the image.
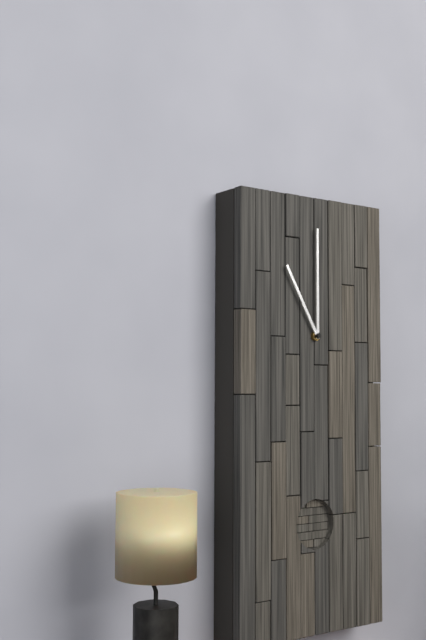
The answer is 11:00
